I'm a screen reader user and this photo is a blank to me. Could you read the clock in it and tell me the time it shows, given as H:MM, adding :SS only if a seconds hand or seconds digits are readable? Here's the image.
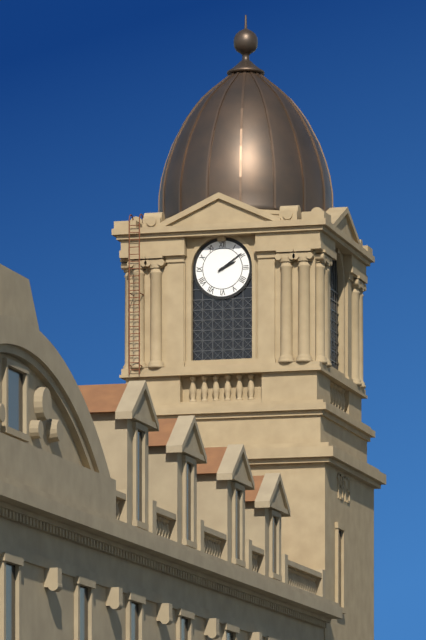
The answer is 2:09
